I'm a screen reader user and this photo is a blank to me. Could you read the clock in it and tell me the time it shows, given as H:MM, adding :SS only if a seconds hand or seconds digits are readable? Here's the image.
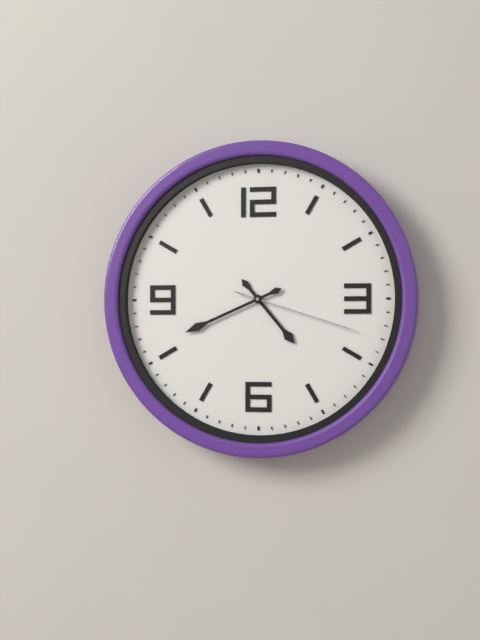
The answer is 4:41:18
